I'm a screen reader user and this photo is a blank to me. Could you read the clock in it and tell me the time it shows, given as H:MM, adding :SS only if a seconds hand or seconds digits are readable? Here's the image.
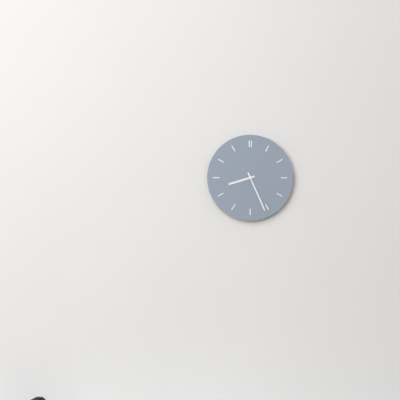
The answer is 8:26
